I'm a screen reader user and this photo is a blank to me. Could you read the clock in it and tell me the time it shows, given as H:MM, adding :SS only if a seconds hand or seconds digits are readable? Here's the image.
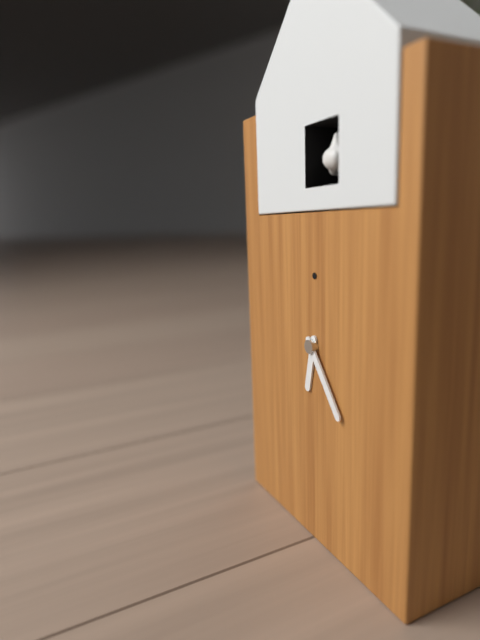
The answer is 6:24
